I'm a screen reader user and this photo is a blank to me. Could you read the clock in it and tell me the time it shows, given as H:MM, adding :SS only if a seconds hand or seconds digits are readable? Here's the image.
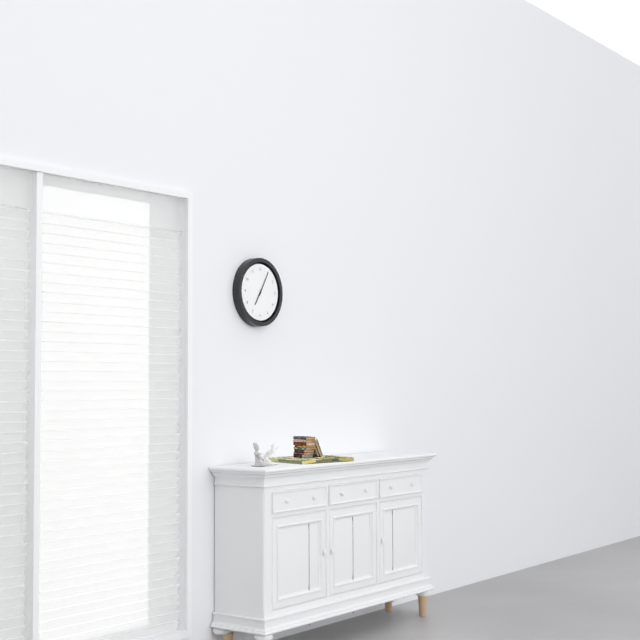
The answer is 7:05
